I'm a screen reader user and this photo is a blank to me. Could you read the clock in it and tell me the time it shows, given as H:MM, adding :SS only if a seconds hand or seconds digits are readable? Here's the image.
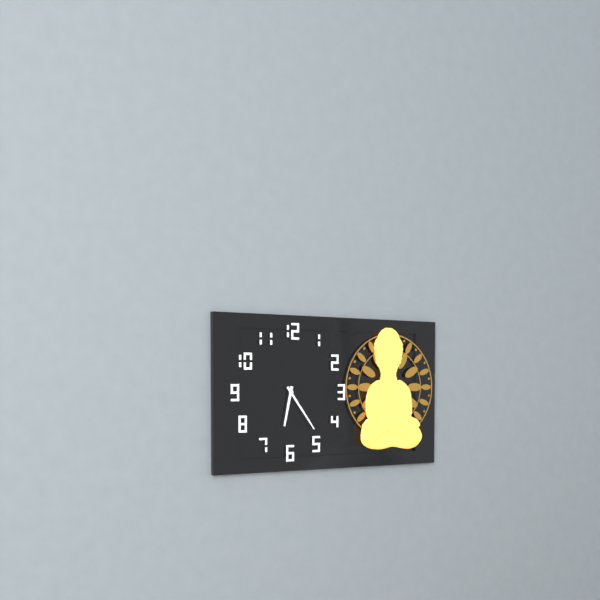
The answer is 6:24
